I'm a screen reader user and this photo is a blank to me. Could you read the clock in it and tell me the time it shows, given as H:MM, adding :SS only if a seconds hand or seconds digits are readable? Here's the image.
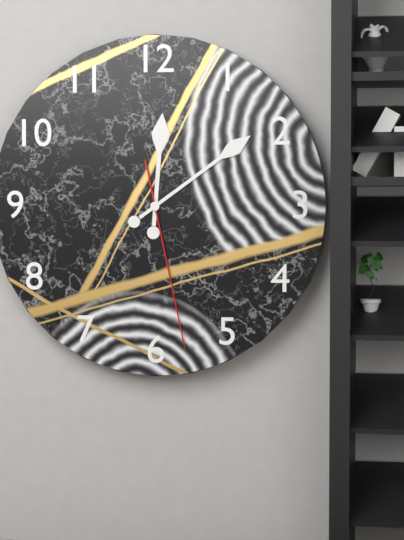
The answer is 12:09:28
